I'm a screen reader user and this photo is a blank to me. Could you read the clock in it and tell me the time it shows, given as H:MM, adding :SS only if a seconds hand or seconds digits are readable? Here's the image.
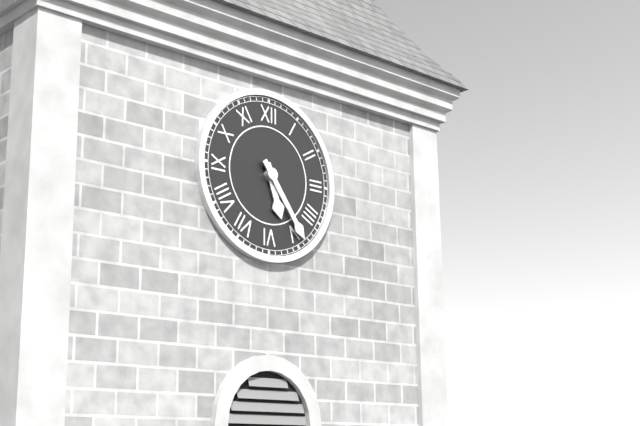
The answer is 5:24
